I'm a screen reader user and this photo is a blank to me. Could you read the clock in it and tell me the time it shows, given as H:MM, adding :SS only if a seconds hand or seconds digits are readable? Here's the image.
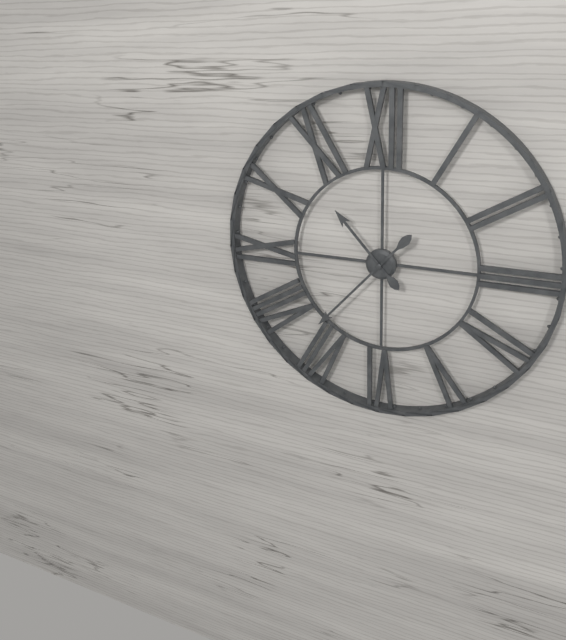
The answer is 10:37
